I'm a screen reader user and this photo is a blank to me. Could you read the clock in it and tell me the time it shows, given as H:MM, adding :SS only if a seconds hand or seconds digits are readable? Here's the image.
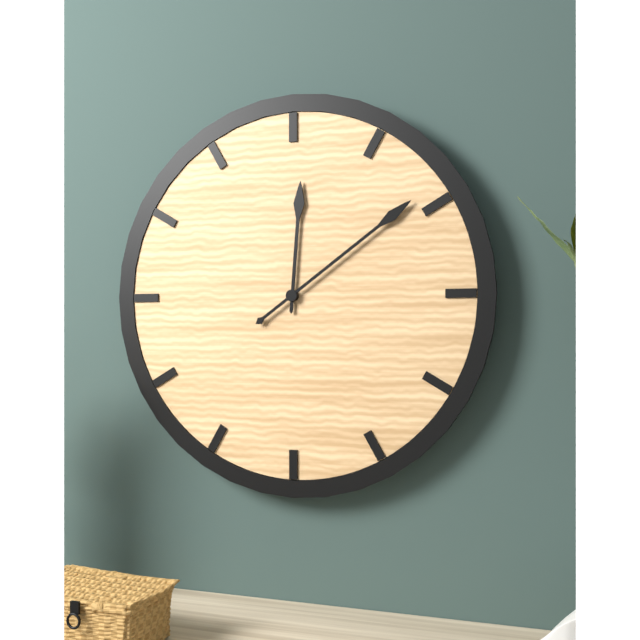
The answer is 12:09
